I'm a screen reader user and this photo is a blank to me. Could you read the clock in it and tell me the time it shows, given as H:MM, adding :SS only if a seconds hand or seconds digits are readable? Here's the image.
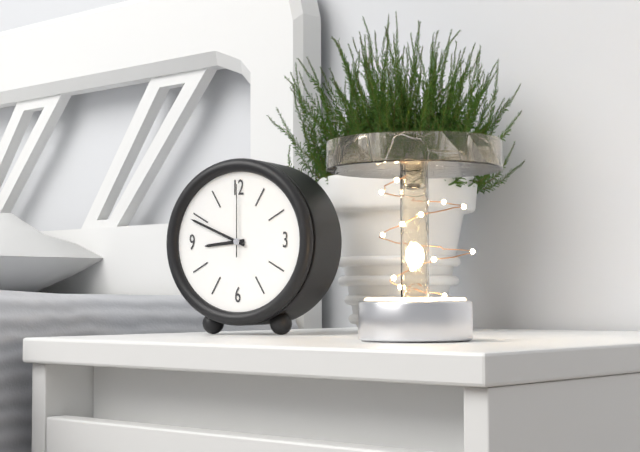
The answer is 8:49:00
